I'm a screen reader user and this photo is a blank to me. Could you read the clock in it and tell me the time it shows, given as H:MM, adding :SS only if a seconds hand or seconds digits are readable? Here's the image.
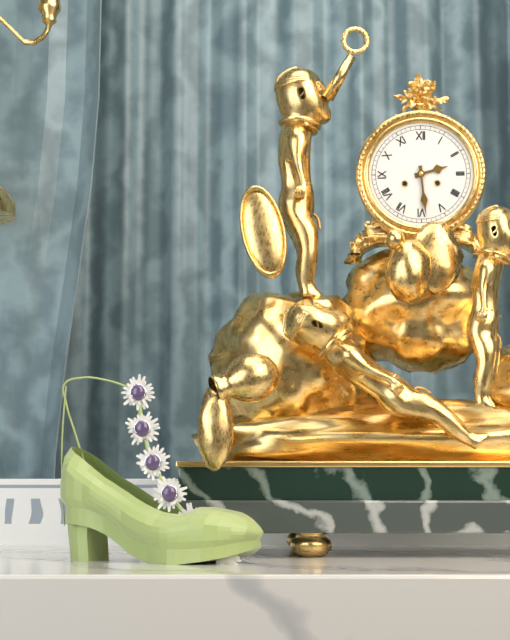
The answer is 2:29
